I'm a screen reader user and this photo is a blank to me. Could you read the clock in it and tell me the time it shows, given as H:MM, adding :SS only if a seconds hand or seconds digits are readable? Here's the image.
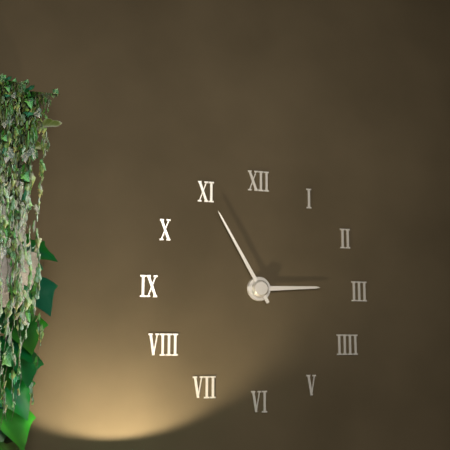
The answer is 2:55
